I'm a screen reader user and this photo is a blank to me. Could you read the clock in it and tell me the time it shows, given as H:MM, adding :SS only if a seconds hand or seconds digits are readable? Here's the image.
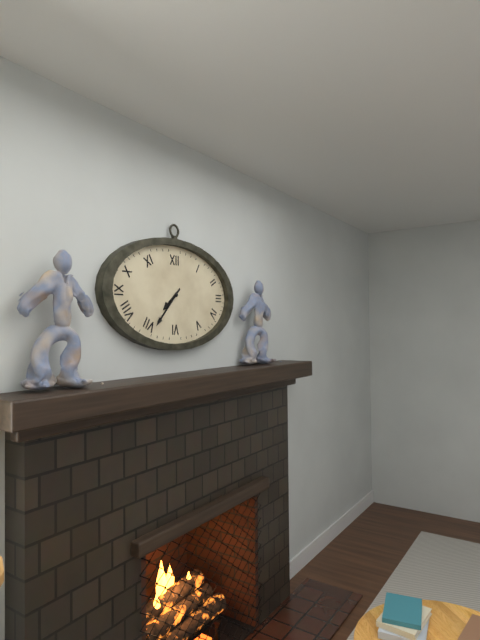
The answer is 7:37
